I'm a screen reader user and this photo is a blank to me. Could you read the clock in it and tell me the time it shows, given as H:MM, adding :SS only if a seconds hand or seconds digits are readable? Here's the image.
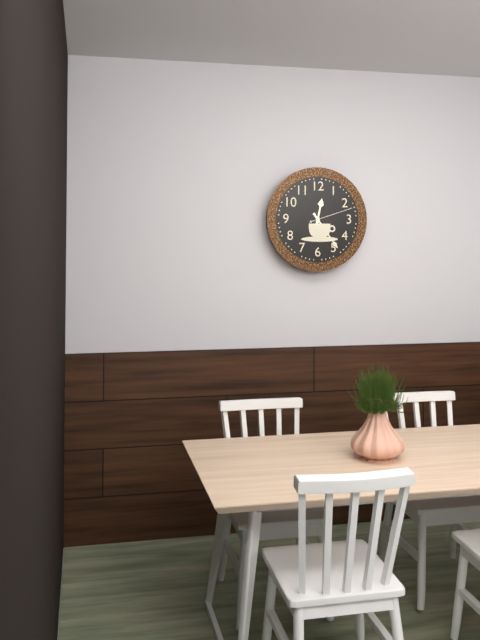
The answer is 12:24
